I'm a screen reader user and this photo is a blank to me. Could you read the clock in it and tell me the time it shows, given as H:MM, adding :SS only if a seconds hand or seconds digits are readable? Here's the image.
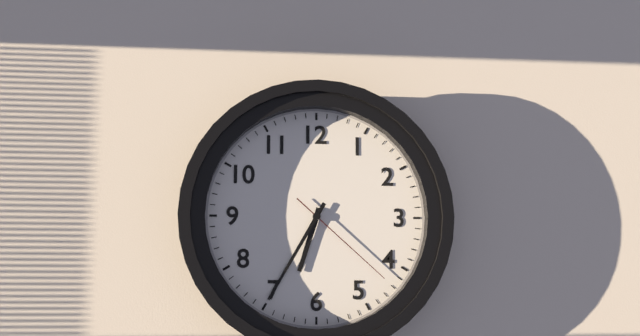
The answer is 6:35:22
